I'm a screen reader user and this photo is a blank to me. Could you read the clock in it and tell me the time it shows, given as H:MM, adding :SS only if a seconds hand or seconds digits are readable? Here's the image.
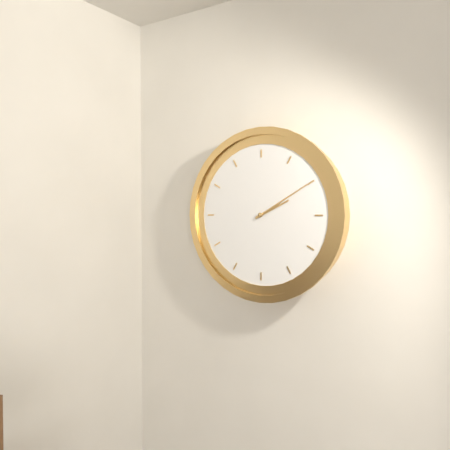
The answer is 2:10
